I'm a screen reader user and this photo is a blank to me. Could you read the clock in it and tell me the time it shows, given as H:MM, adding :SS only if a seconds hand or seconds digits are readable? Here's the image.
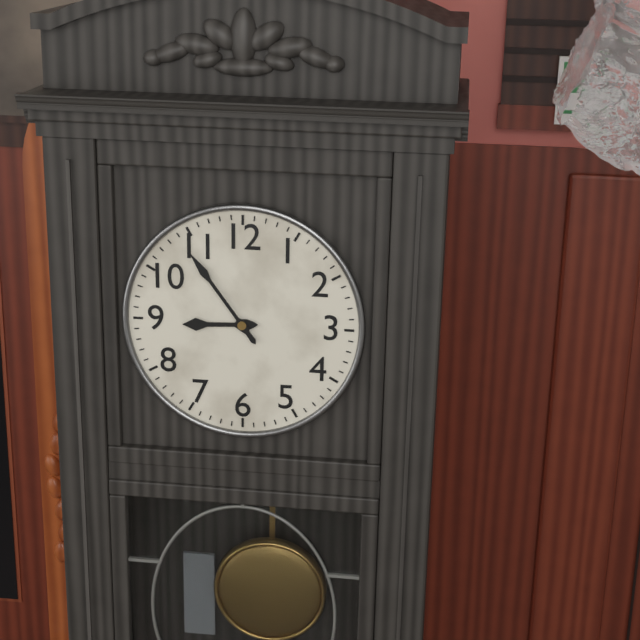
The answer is 8:54
